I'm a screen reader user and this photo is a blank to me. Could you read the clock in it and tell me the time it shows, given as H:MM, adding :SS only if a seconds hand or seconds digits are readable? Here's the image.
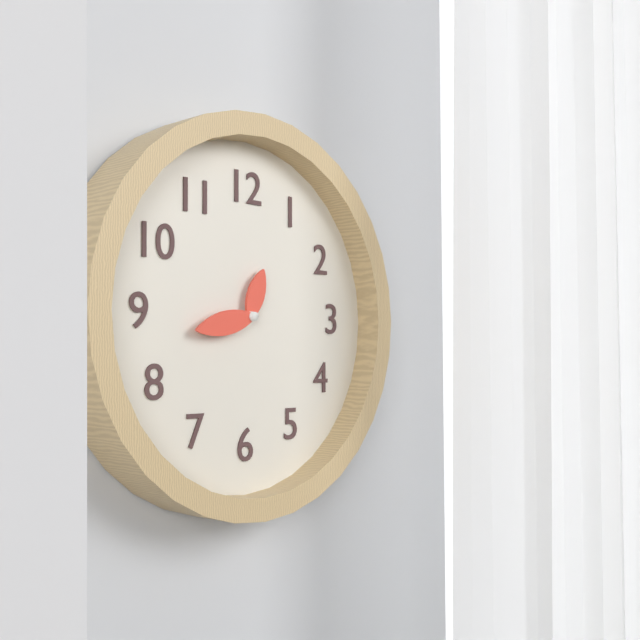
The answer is 12:43
